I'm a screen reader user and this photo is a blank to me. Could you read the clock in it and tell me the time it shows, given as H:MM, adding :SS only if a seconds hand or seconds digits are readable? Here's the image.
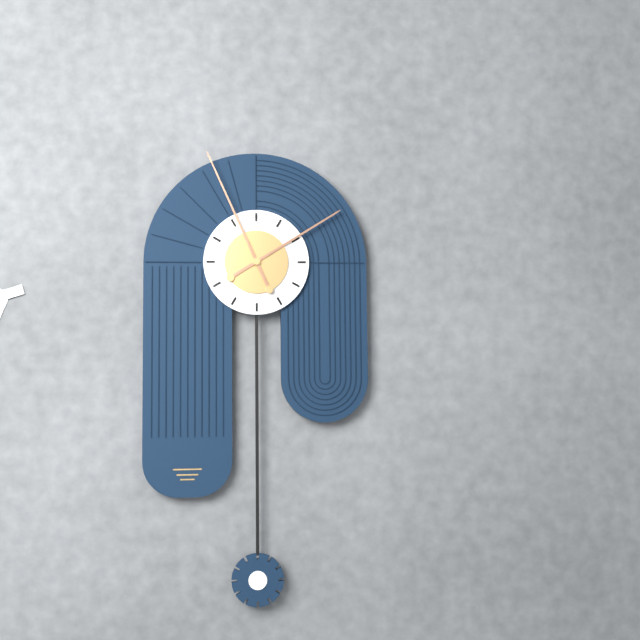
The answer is 1:56
